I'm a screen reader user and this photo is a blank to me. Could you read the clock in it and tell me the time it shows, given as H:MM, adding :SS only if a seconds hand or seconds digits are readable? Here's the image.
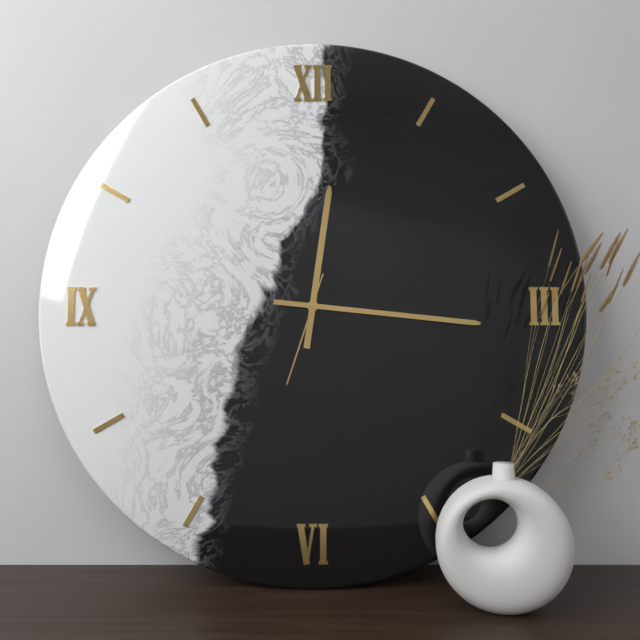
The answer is 12:16:33
